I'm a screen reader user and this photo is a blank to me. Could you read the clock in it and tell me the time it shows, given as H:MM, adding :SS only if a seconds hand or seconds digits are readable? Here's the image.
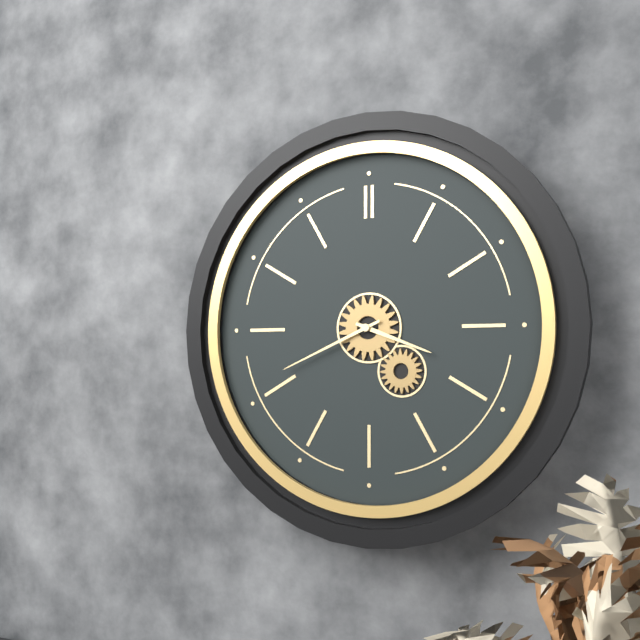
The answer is 3:41
